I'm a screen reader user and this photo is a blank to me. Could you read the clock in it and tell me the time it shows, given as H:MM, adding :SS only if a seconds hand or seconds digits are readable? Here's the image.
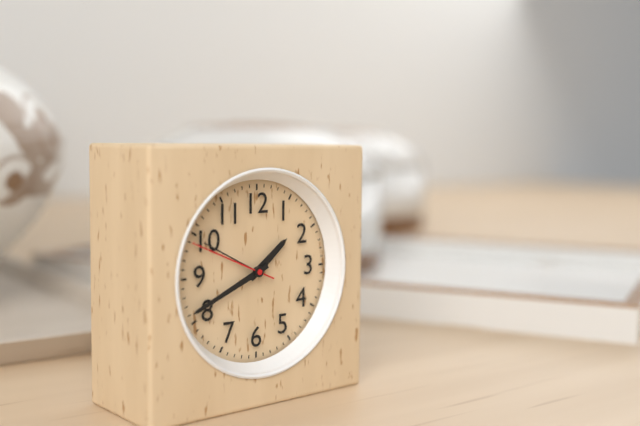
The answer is 1:41:49
